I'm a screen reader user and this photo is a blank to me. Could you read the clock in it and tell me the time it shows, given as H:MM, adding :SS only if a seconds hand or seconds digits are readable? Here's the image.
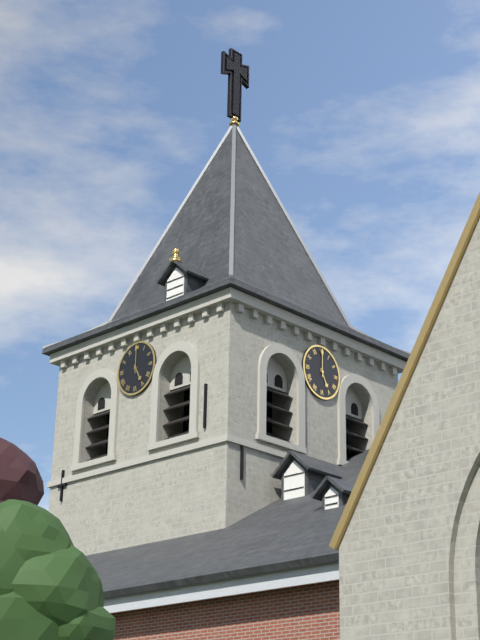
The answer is 5:00
